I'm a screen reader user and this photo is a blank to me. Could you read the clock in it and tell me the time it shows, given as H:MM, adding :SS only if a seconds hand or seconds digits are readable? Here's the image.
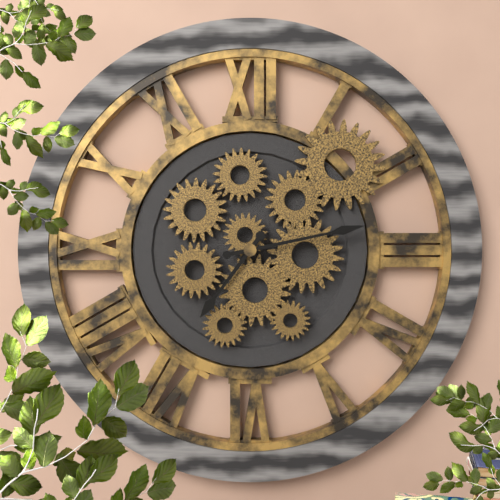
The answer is 7:13
